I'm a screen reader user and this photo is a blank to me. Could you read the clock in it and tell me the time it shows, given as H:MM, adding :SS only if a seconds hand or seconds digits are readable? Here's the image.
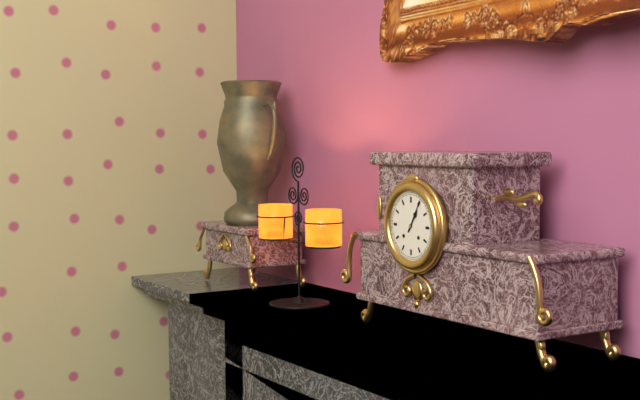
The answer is 1:05
